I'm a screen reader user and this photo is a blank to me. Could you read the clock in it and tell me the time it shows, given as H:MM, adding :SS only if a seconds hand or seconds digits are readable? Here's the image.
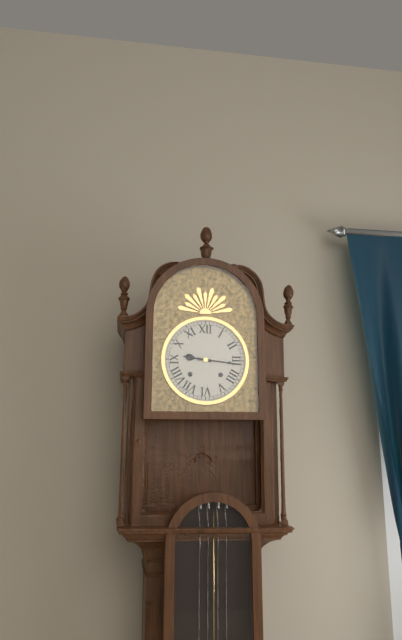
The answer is 9:16
